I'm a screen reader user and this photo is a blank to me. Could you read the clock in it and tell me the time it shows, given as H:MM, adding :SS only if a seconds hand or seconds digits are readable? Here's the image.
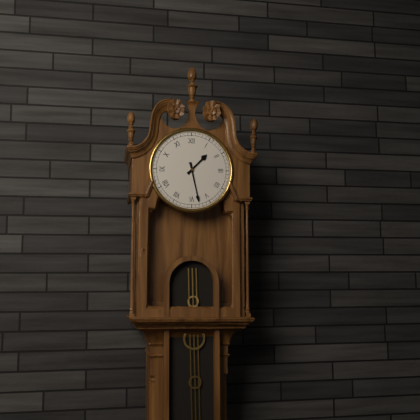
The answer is 1:28
